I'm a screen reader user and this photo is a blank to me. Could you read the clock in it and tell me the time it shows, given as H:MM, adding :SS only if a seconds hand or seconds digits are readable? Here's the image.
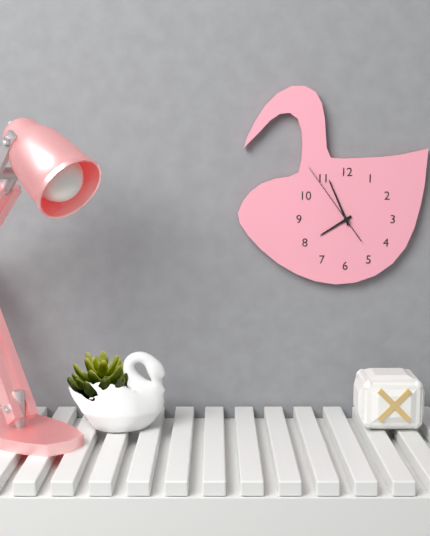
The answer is 7:56:54
